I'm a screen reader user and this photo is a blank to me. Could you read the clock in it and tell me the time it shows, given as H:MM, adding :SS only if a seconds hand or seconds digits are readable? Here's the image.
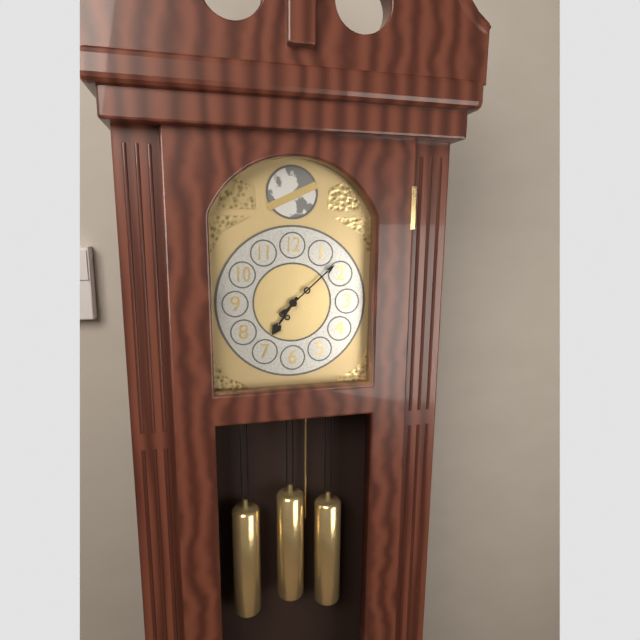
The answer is 7:08
